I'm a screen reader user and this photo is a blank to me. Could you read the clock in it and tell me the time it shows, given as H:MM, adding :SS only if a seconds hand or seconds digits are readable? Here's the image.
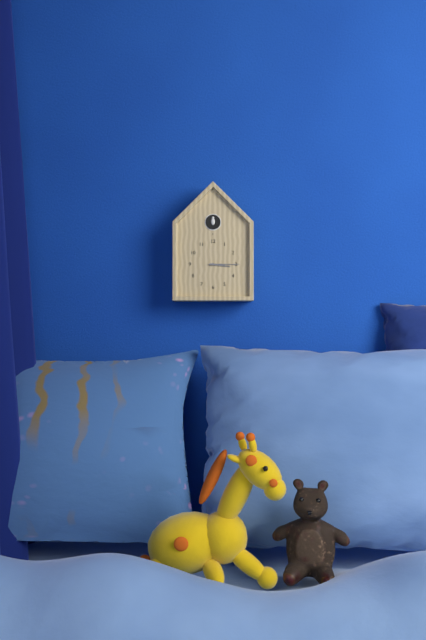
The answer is 3:15
